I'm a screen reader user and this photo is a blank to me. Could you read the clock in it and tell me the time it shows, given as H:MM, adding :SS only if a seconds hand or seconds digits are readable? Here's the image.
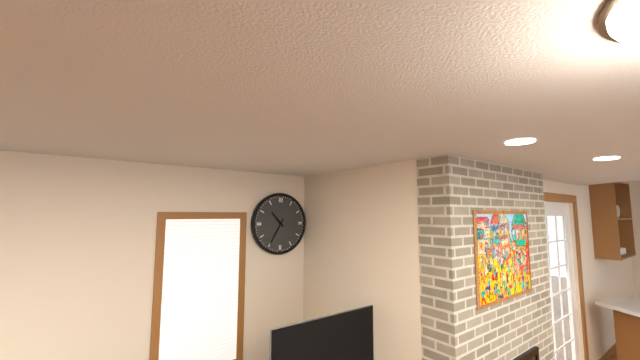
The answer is 10:35
